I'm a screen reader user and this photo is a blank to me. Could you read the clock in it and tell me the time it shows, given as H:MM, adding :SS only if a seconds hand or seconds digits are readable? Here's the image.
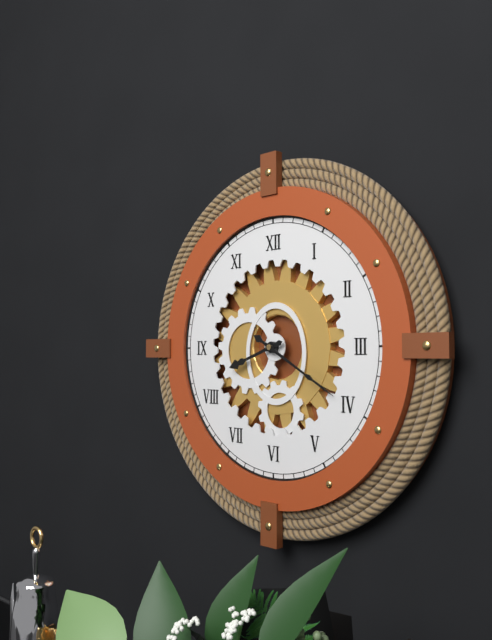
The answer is 8:20
